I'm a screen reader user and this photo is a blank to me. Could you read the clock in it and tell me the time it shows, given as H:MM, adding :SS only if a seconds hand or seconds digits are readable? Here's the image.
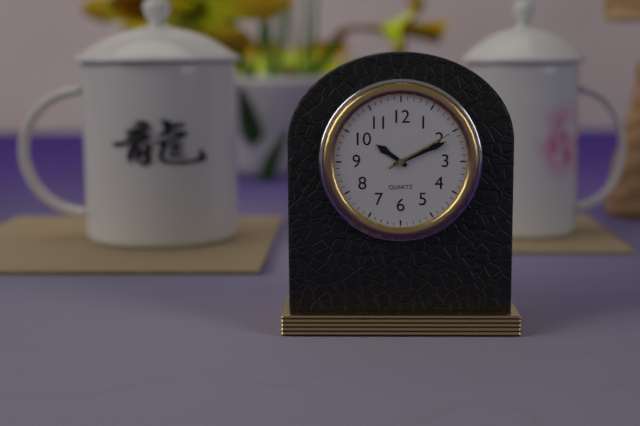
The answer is 10:11:10
